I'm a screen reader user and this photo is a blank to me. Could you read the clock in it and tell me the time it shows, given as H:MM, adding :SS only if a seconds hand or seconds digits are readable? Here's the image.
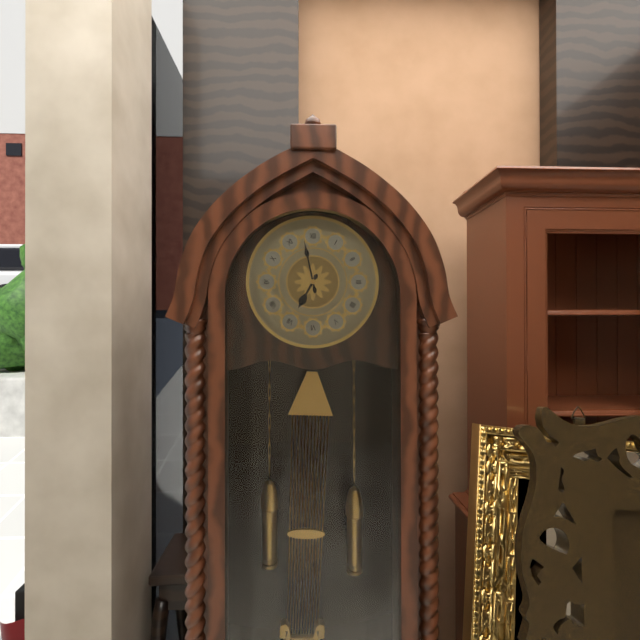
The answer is 6:58
